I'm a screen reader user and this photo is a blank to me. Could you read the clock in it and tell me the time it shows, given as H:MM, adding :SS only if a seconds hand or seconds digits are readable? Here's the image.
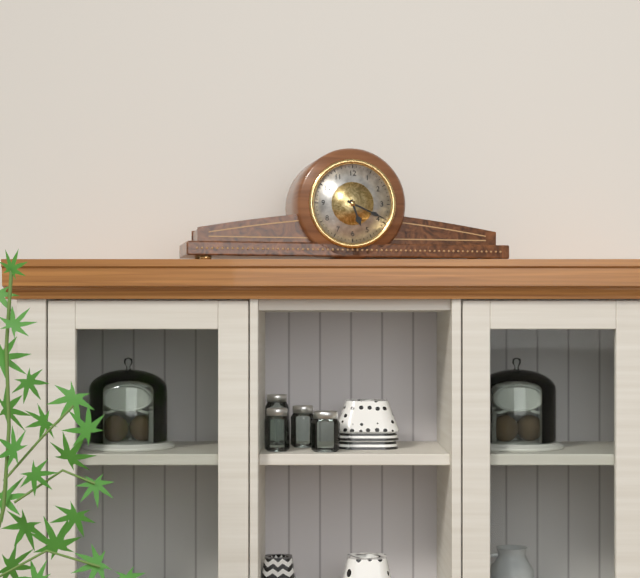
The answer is 5:19
